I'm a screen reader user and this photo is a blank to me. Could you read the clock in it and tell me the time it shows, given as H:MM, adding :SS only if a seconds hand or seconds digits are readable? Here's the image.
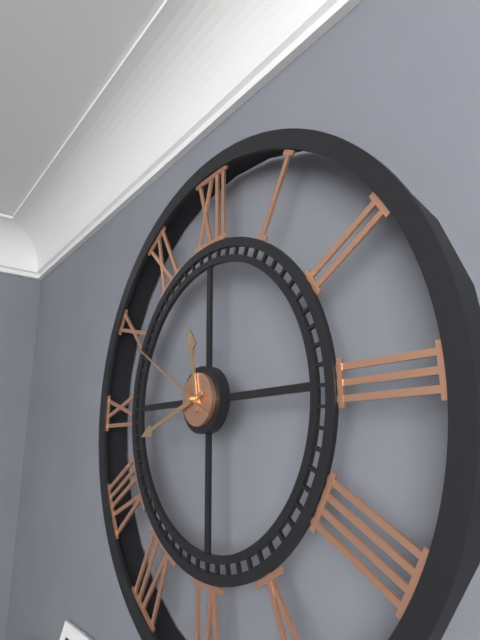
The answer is 11:42:50
